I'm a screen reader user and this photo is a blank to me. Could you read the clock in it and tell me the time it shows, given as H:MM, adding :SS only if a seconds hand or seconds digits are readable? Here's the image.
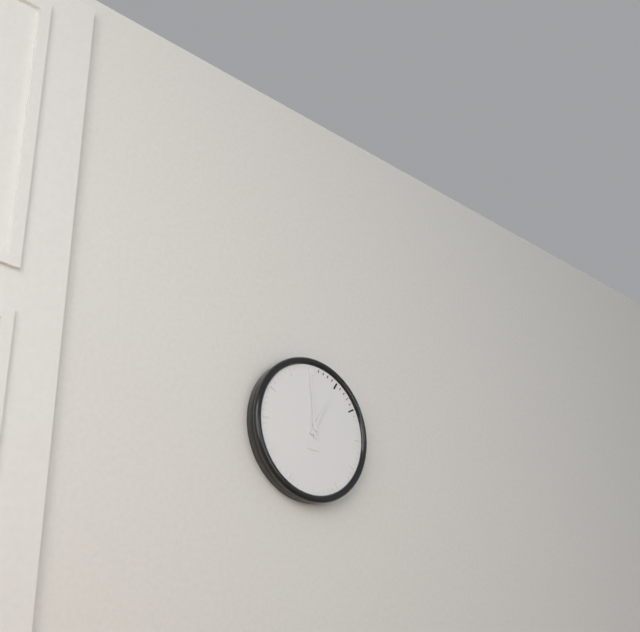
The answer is 12:59
